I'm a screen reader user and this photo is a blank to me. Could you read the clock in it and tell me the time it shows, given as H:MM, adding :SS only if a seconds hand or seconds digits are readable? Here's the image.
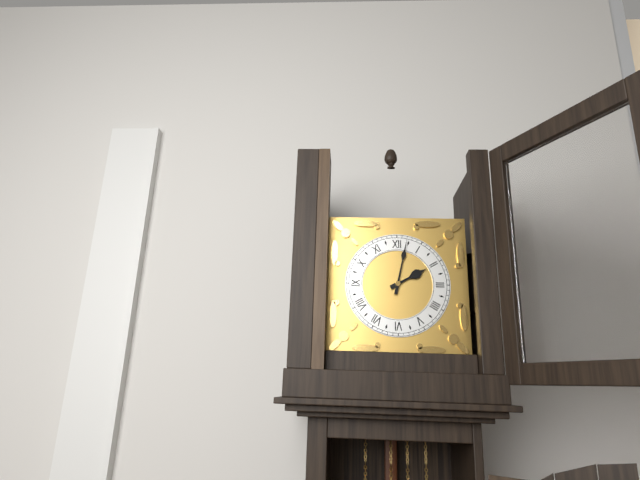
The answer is 2:02
